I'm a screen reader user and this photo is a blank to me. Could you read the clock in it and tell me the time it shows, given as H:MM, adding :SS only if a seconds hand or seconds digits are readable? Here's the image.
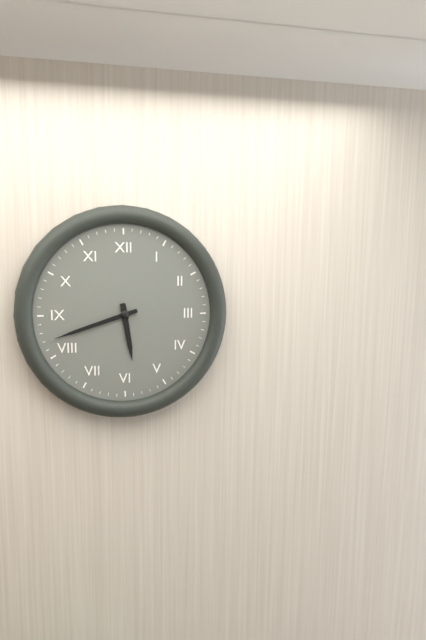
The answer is 5:42
